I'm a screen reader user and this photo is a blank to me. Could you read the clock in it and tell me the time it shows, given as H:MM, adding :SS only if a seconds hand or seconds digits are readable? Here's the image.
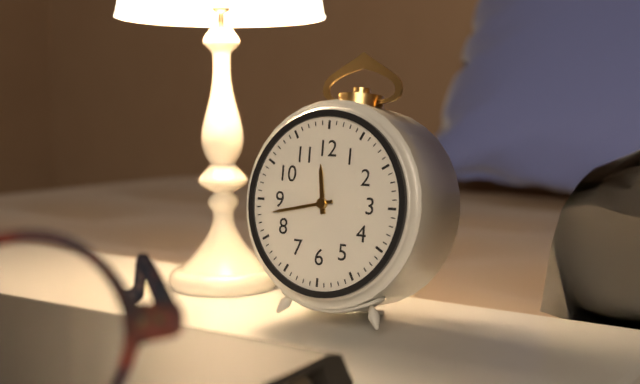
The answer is 11:43
